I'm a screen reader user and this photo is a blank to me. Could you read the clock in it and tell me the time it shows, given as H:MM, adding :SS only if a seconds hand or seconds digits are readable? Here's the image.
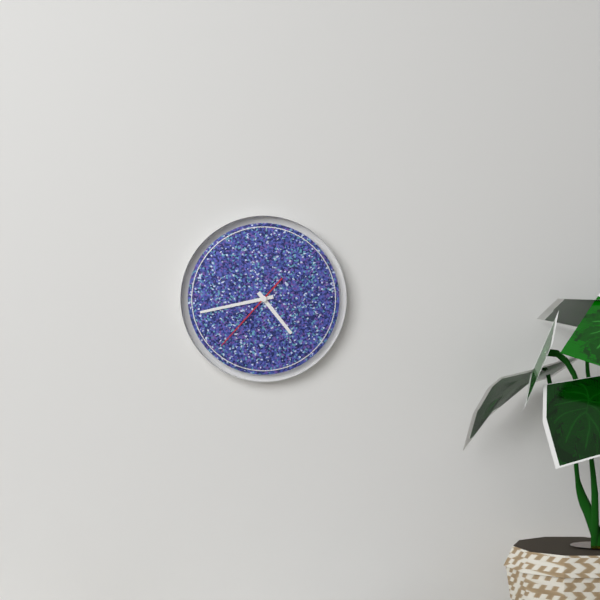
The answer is 4:43:37
